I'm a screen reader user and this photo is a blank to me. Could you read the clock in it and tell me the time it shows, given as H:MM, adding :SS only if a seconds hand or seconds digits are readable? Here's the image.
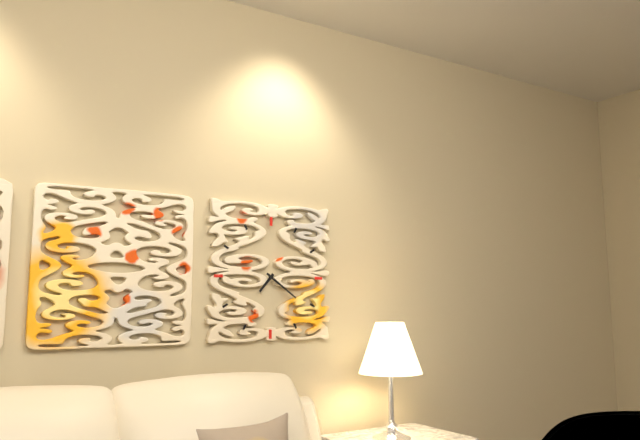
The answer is 7:21
